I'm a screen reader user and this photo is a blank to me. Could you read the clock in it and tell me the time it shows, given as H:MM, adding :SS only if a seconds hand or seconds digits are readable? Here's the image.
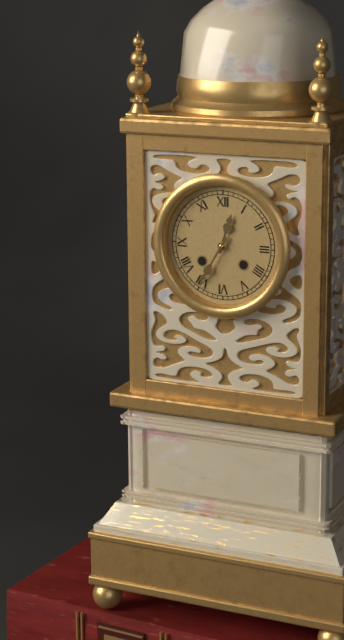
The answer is 12:35
